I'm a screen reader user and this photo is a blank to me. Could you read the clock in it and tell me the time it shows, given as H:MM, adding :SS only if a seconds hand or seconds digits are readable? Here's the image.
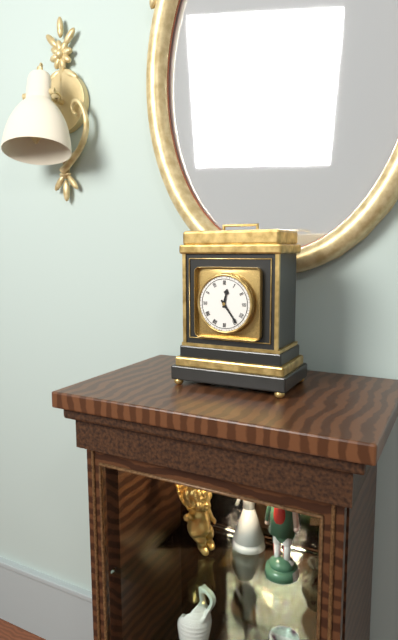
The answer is 12:24
